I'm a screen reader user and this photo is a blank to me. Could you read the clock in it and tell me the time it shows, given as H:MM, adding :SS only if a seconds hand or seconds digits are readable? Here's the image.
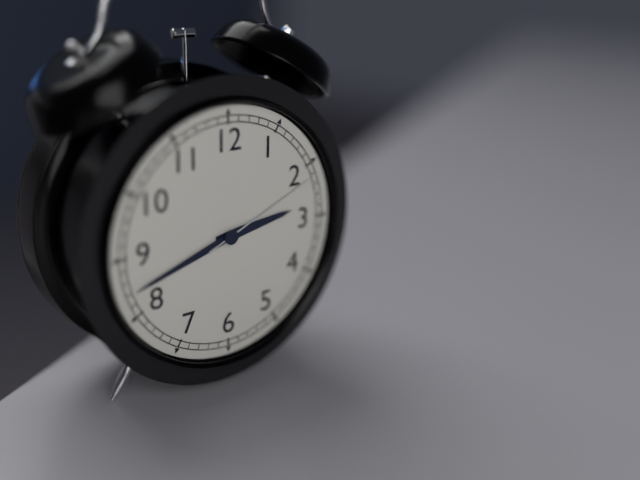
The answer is 2:42:11
